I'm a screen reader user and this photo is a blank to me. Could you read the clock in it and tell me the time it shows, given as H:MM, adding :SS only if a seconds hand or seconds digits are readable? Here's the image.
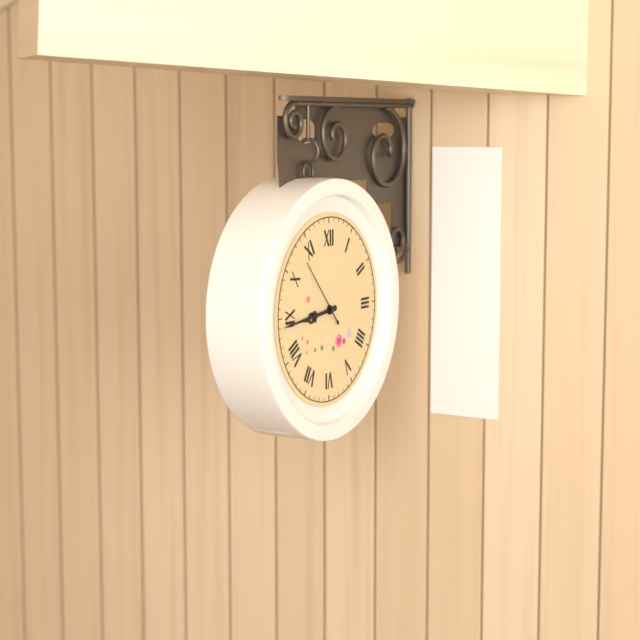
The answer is 8:44:53
